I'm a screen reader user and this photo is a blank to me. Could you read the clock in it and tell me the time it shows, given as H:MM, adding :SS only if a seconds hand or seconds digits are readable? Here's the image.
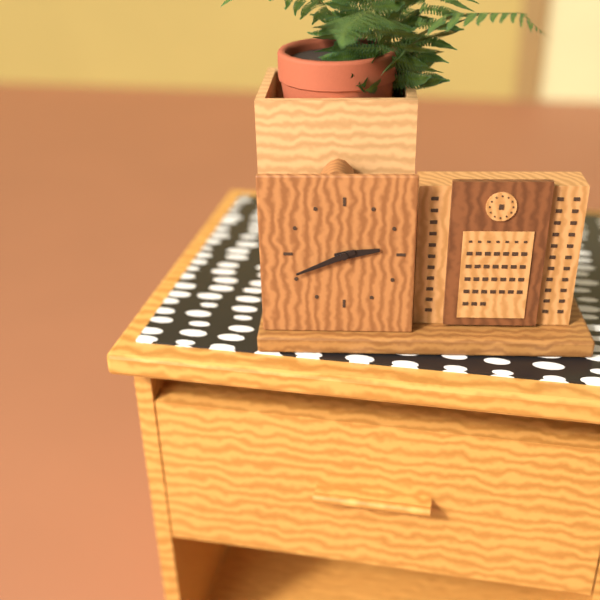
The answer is 2:41
